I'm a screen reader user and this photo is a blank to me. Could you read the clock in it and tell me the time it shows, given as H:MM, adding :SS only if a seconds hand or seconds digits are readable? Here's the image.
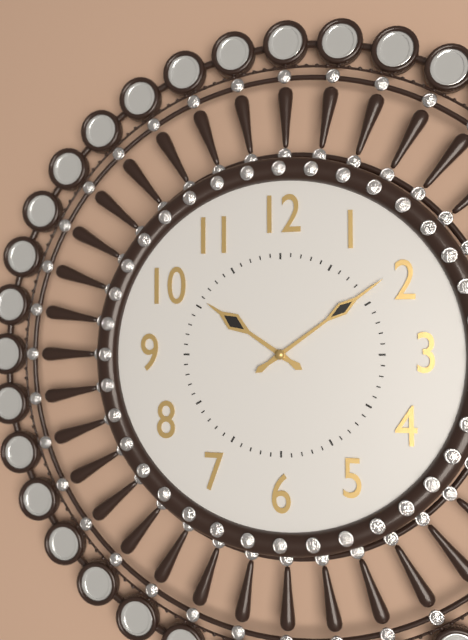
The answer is 10:09
